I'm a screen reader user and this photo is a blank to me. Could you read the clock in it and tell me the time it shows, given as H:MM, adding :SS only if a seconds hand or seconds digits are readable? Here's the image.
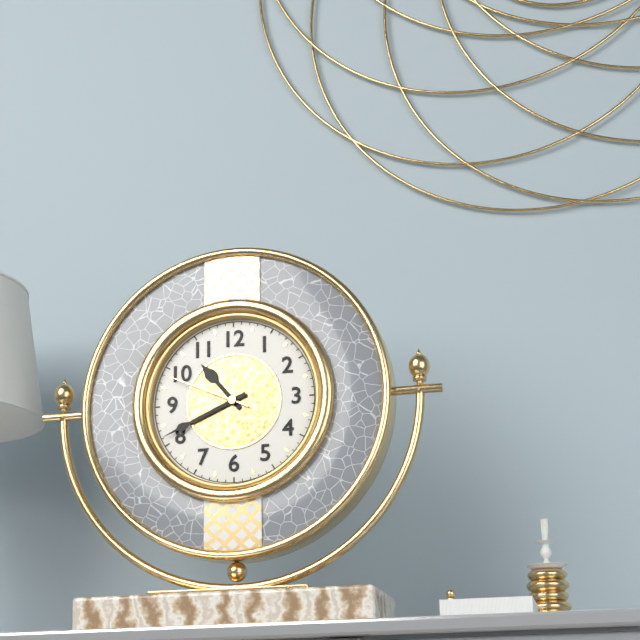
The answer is 10:41:49
